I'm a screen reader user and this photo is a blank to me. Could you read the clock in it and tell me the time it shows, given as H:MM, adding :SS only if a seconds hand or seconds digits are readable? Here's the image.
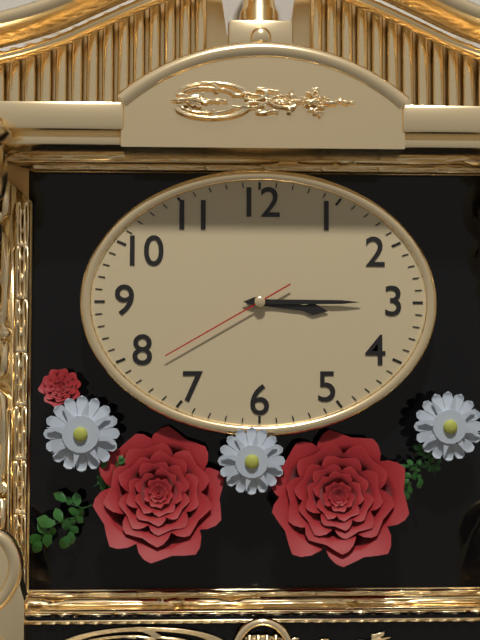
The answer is 3:15:40
